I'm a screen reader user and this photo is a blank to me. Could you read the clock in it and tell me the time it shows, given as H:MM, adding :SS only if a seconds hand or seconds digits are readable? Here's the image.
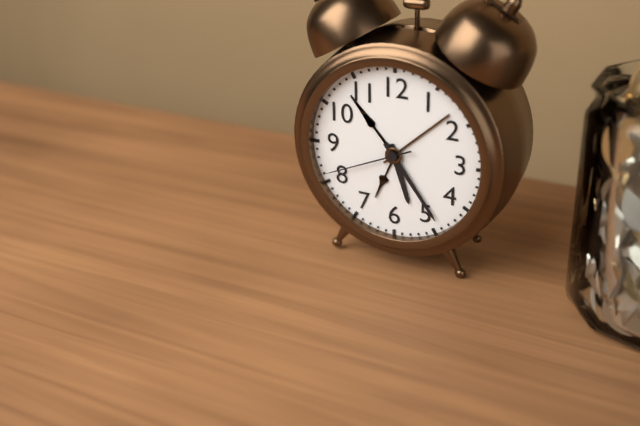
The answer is 5:24:41
